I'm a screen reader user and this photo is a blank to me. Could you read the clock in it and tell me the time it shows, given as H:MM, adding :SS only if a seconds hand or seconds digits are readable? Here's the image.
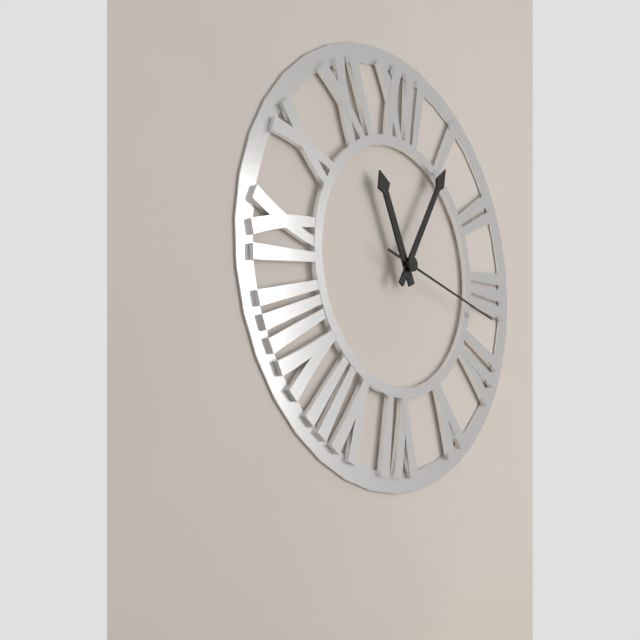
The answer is 11:05:17
